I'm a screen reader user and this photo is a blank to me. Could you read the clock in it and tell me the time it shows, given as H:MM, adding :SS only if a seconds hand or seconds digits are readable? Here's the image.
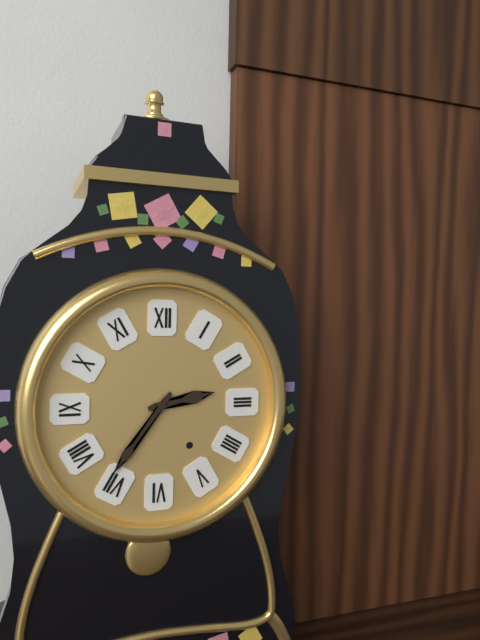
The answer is 2:36
